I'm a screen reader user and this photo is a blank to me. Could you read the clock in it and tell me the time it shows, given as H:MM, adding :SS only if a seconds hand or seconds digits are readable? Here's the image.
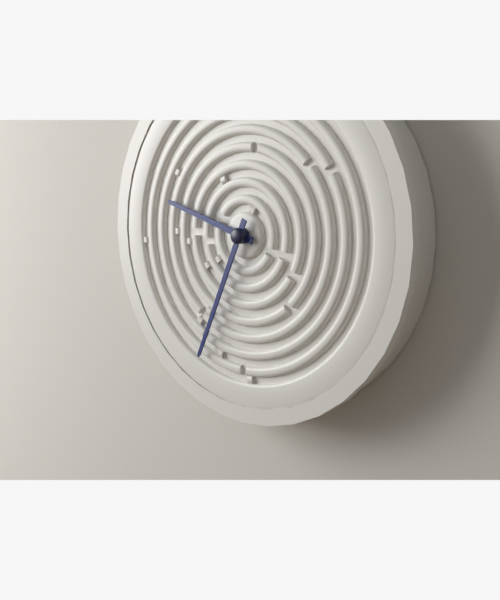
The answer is 9:34
